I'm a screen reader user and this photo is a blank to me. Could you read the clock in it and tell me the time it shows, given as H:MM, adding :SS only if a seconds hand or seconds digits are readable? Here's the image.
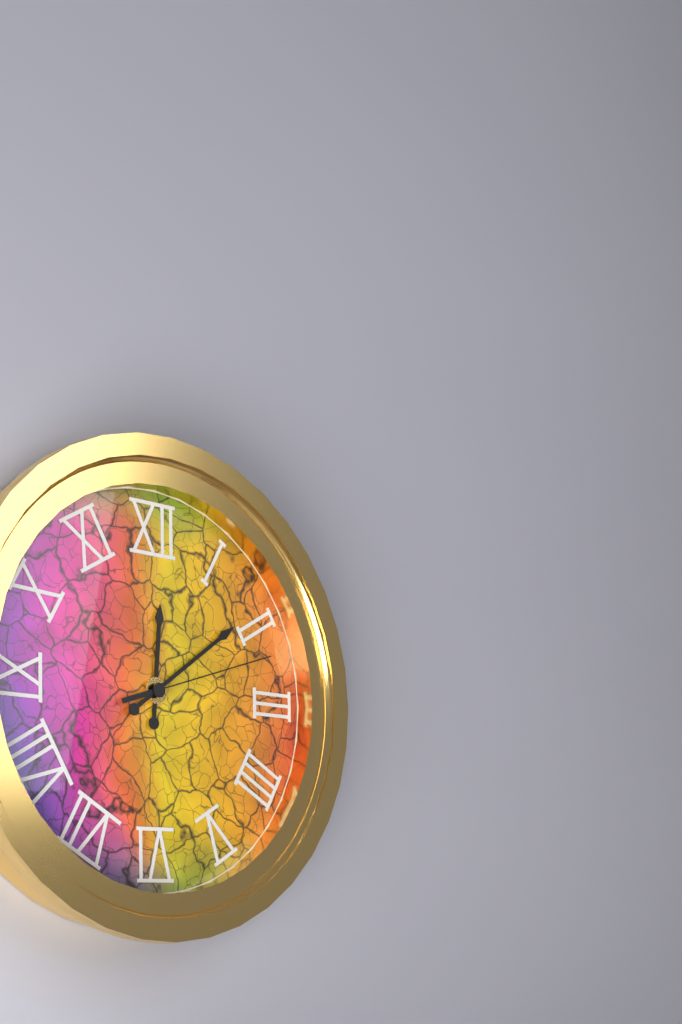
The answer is 12:09:12
